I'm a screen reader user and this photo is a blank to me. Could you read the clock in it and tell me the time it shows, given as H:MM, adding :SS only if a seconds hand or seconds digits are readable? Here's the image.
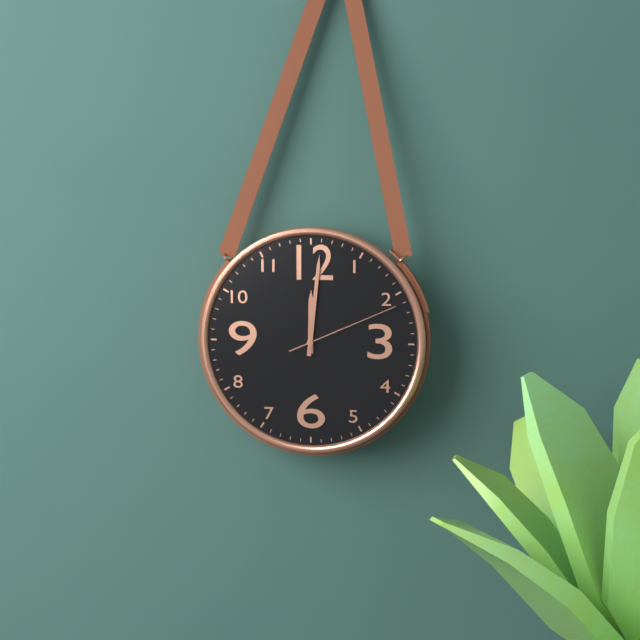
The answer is 12:01:11
